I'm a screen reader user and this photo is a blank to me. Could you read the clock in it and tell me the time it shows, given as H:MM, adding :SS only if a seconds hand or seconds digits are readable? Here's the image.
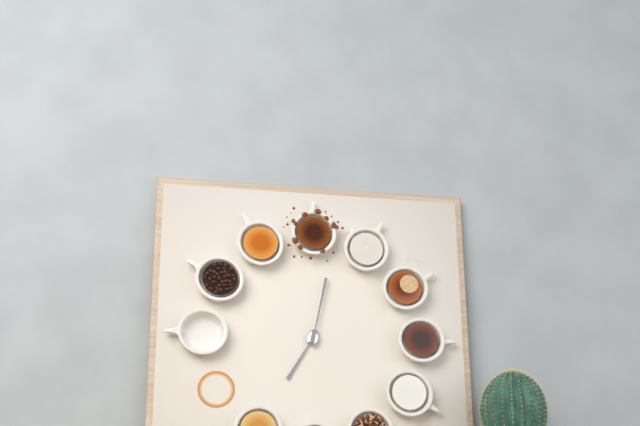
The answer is 7:02
